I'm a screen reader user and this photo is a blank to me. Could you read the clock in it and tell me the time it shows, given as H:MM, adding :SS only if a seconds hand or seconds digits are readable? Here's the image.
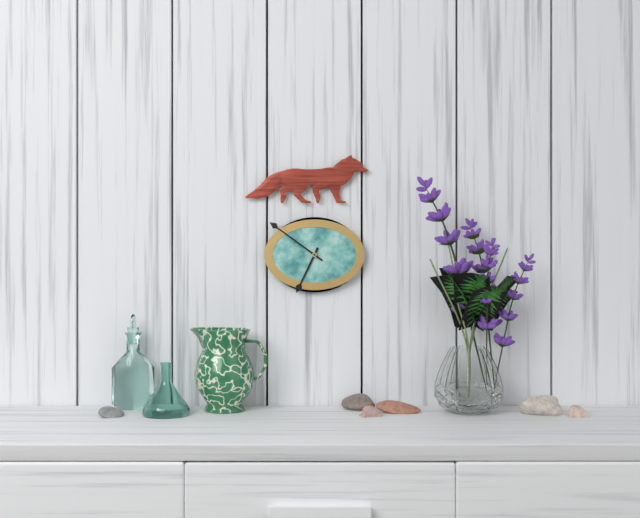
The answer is 6:51
